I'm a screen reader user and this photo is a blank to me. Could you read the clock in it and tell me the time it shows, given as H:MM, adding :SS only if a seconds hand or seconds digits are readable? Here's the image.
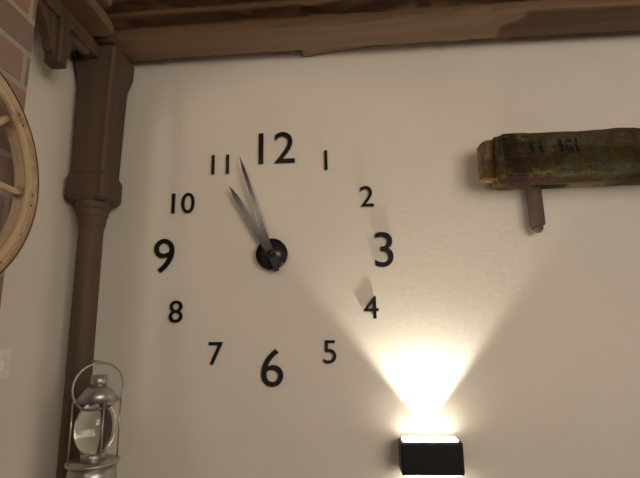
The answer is 10:57
